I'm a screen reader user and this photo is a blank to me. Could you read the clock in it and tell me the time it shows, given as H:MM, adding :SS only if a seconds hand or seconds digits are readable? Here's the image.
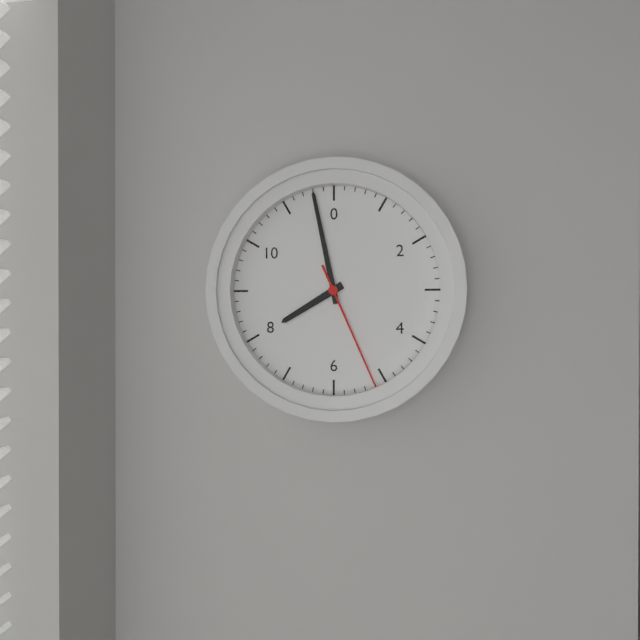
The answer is 7:58:26
